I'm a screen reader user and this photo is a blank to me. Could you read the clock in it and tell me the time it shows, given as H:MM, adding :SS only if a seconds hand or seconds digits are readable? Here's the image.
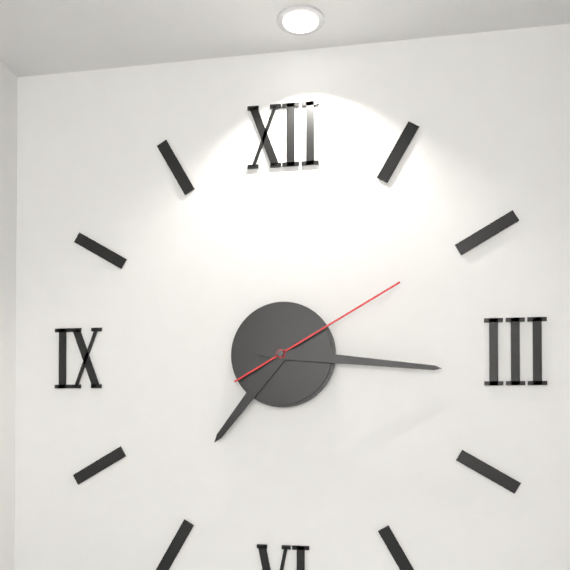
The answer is 7:16:10
